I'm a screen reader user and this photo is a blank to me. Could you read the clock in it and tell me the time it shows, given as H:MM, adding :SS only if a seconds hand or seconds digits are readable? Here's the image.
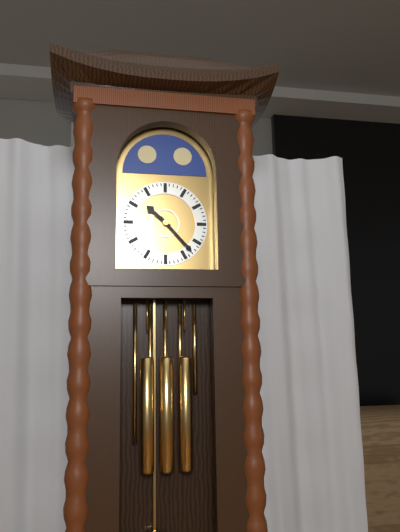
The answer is 10:23
